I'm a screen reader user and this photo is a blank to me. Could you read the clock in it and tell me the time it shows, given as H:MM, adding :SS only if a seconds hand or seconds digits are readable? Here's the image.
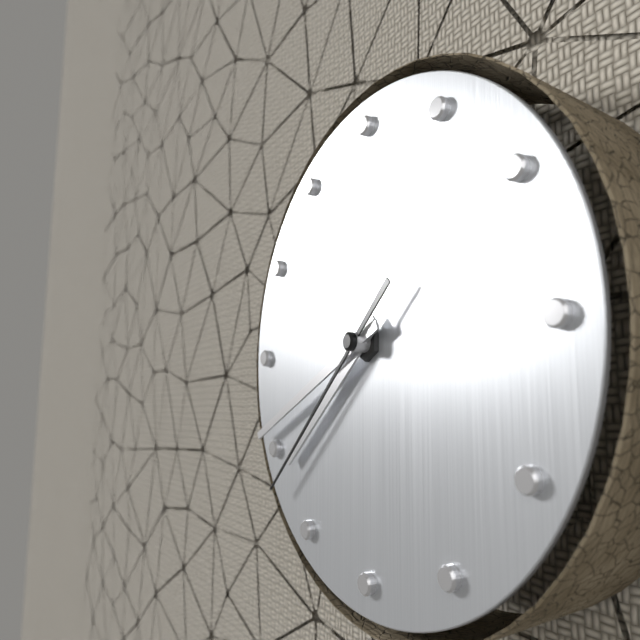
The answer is 7:41:38
